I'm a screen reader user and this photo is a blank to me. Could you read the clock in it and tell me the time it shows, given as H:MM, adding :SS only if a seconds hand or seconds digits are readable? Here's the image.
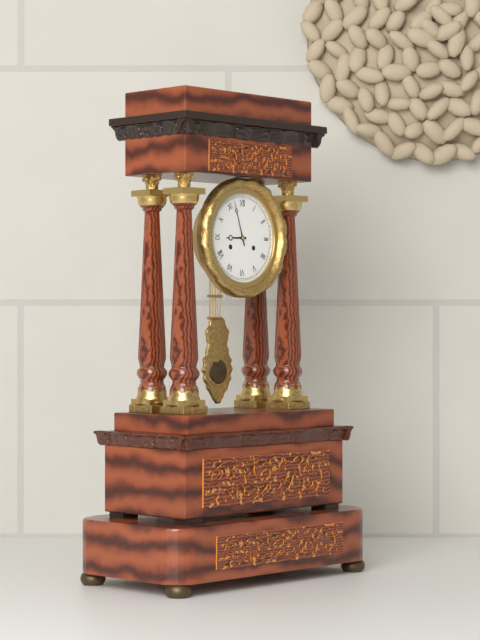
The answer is 8:57
